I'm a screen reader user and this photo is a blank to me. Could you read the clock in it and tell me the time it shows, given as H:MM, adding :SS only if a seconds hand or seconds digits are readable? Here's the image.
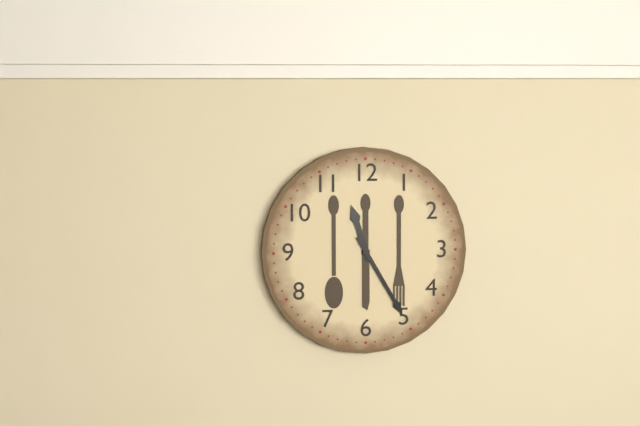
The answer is 11:25
